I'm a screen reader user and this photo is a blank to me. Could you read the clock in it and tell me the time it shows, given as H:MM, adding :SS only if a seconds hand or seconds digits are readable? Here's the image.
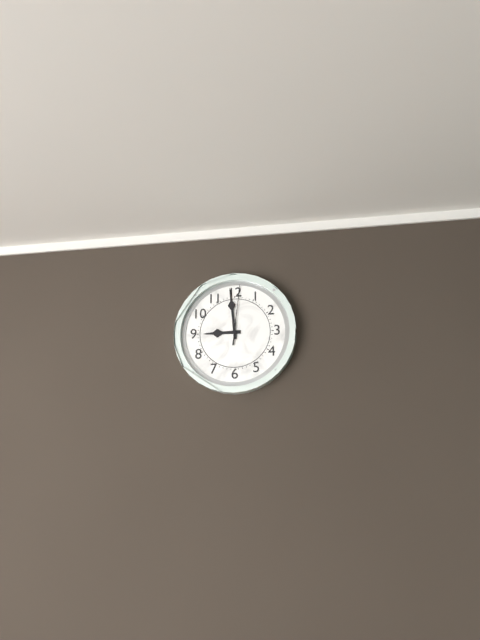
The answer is 8:59:01
